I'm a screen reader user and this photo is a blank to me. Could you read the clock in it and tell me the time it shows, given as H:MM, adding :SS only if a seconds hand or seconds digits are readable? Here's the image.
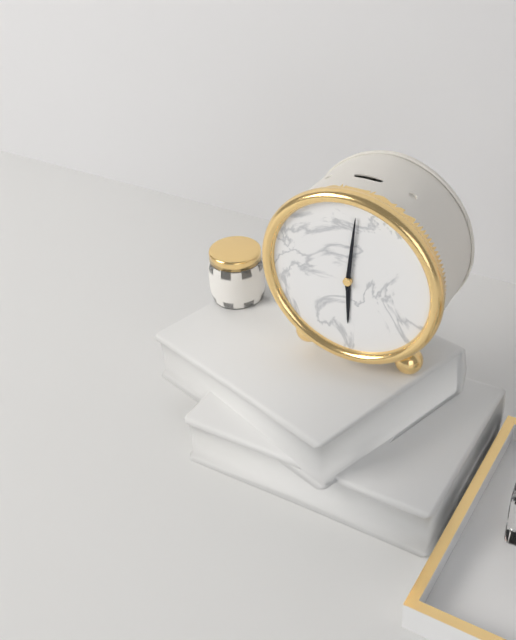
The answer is 6:01
